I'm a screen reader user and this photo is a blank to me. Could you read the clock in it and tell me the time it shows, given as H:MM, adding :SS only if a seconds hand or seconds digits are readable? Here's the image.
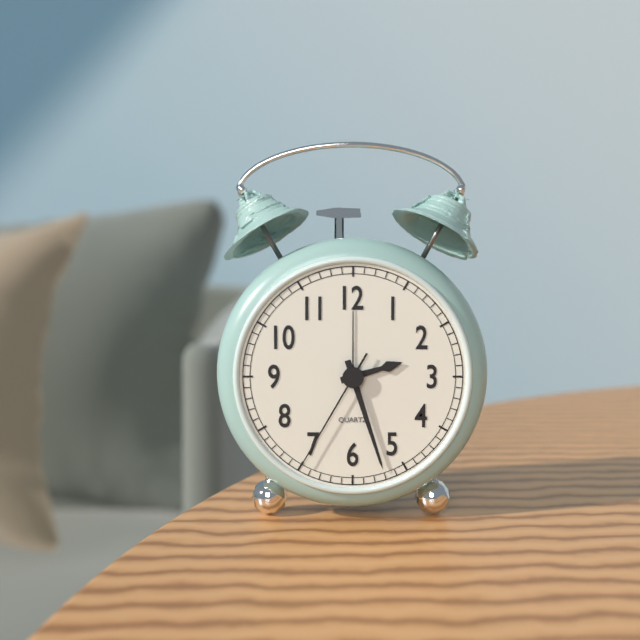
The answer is 2:27:35
